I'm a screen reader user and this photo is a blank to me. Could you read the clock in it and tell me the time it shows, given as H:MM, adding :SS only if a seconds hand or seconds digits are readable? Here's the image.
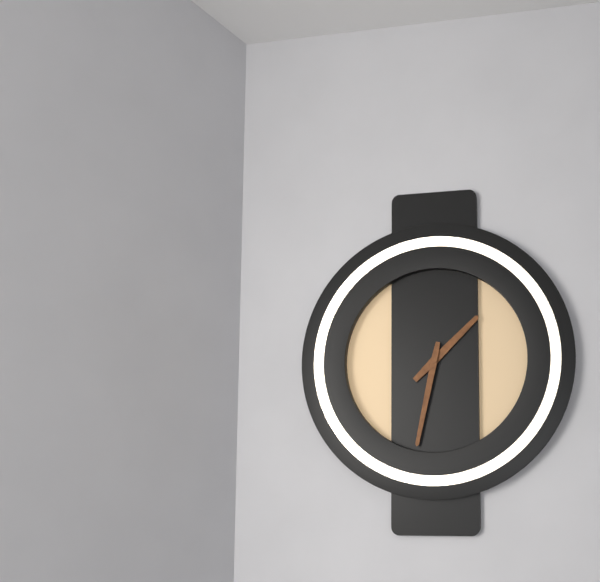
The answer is 1:32
